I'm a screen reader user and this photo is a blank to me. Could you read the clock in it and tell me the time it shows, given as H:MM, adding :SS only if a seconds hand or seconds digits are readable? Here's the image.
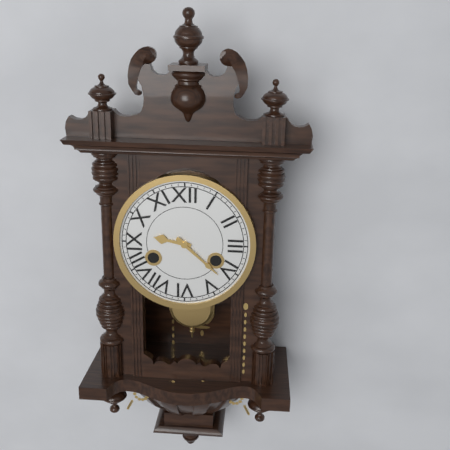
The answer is 9:22
